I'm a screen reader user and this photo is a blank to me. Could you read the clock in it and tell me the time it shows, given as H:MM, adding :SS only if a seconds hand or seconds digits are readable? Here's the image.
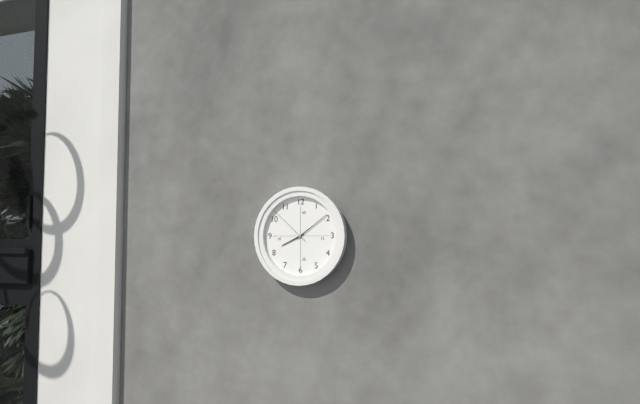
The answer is 8:09
